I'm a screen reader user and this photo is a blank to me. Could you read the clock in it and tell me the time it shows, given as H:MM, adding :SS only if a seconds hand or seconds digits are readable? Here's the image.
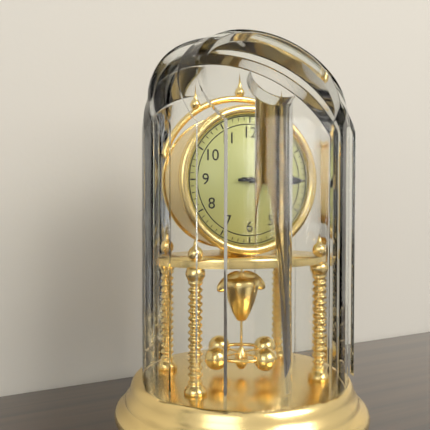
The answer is 3:15
